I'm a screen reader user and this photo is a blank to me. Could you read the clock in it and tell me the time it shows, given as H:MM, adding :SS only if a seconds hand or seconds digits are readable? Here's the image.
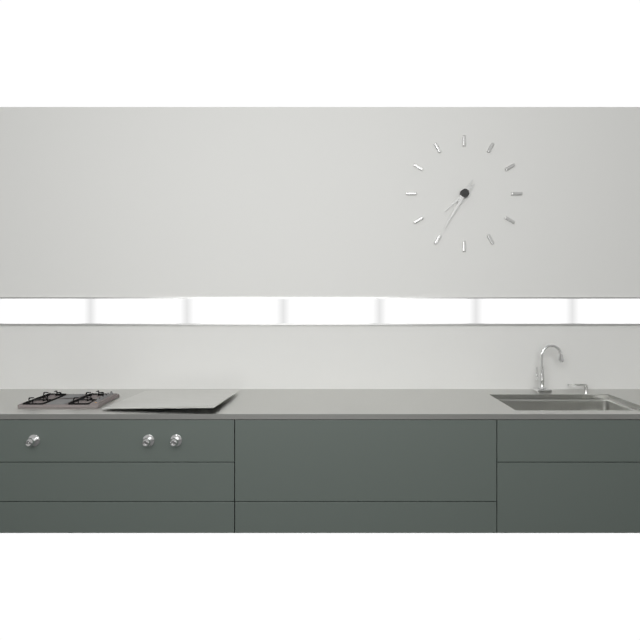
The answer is 7:35
